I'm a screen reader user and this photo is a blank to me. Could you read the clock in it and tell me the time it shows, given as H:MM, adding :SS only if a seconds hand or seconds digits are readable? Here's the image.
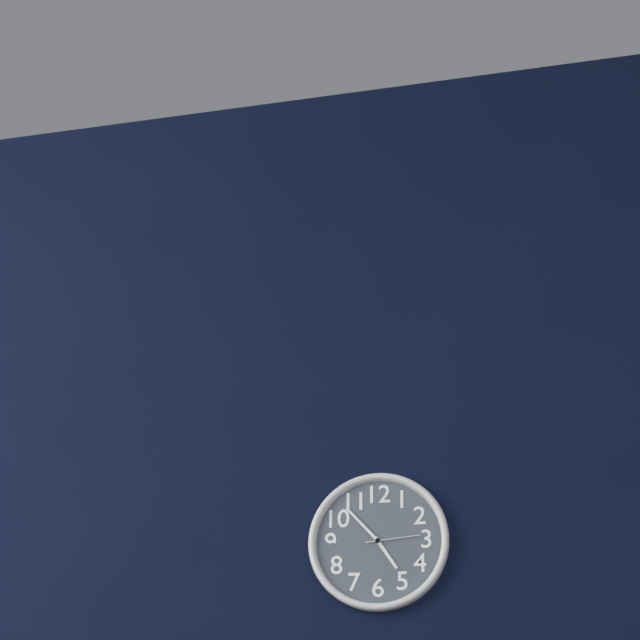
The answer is 4:53:14
